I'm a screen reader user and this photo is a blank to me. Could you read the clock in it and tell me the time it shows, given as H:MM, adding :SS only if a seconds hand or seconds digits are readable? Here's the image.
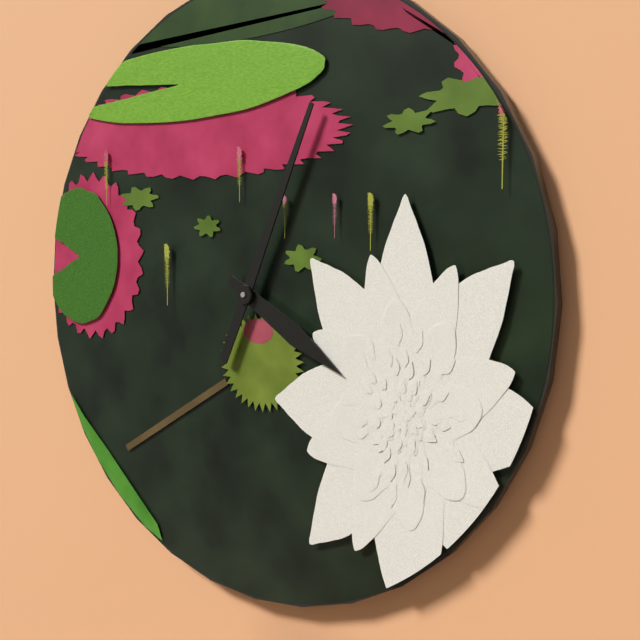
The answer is 4:04
